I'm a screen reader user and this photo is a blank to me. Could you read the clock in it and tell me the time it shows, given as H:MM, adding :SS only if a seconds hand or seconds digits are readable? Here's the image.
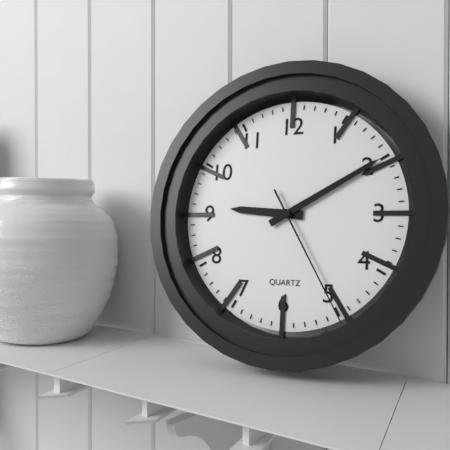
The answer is 9:10:25
